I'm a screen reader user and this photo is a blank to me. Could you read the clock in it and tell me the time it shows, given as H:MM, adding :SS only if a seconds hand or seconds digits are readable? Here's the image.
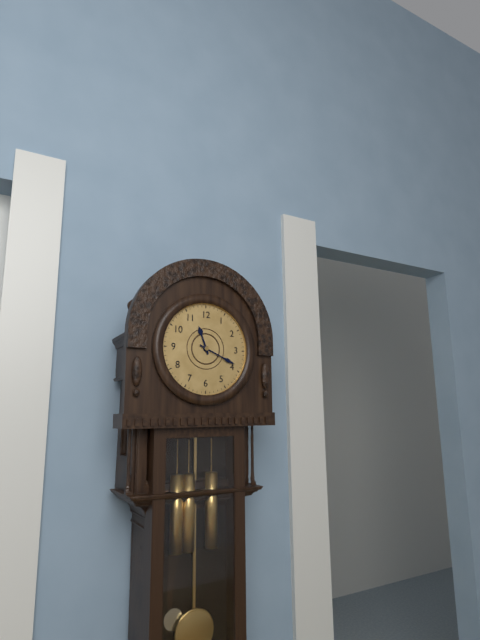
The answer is 11:19
